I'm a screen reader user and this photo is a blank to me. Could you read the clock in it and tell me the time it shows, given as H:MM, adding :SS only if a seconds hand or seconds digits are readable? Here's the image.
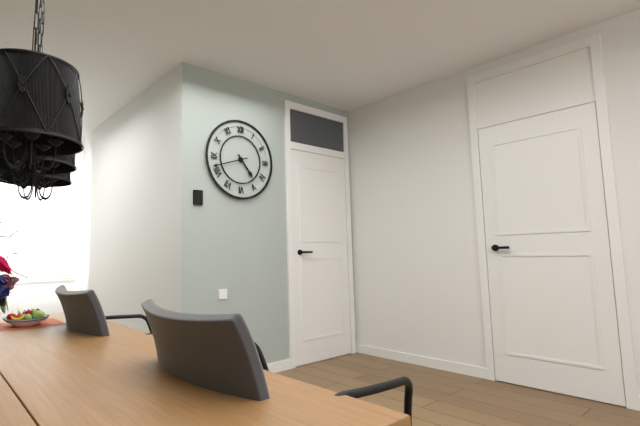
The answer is 4:42
